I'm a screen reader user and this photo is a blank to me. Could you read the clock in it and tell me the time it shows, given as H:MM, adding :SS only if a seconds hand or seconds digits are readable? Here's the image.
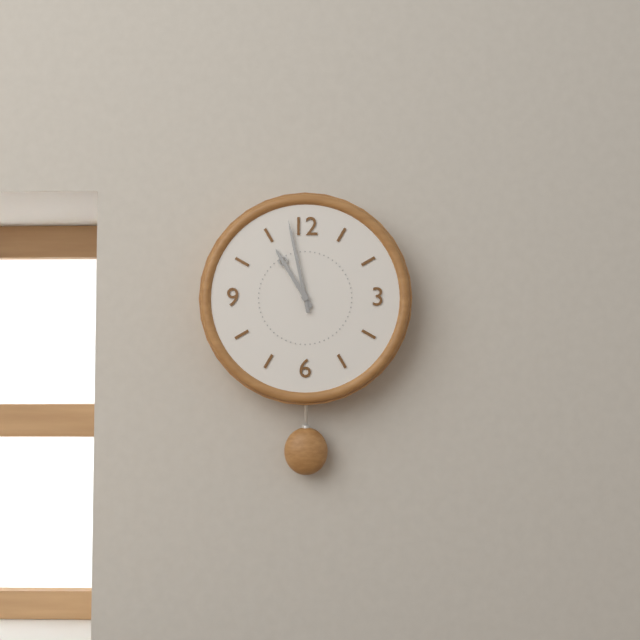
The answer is 10:58
